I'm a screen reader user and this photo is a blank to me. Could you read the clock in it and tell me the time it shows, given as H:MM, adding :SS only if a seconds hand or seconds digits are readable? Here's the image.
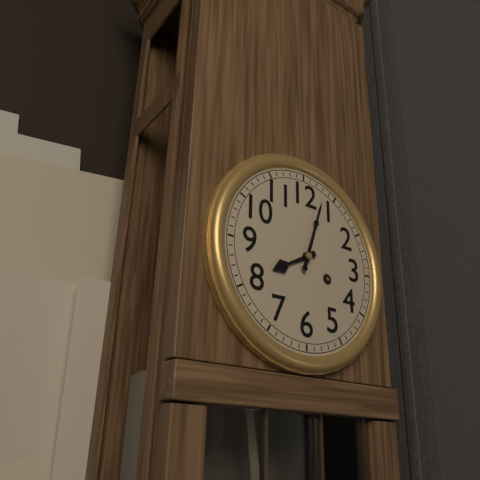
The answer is 8:03
